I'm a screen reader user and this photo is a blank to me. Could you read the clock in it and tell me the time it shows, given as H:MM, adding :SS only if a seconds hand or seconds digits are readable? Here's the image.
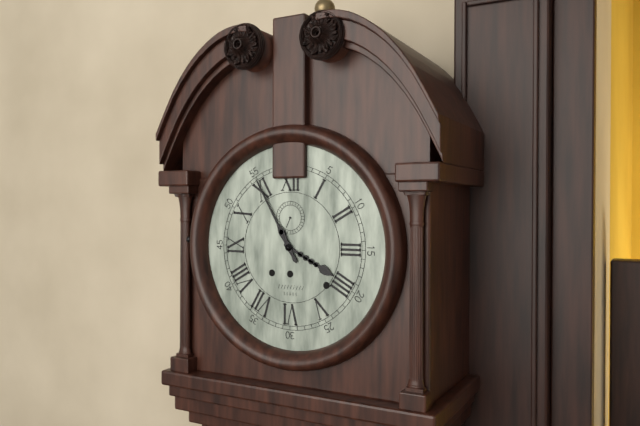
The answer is 3:55
